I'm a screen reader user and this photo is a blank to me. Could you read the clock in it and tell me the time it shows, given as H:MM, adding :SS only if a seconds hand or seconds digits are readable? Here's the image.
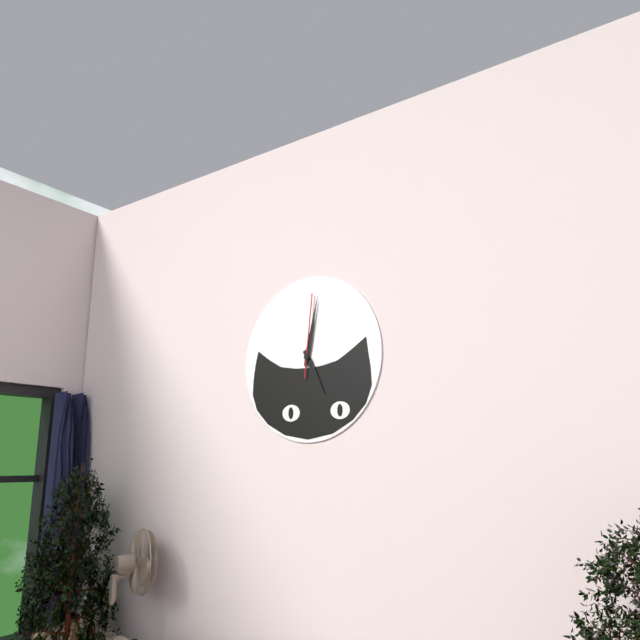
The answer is 5:02:01
